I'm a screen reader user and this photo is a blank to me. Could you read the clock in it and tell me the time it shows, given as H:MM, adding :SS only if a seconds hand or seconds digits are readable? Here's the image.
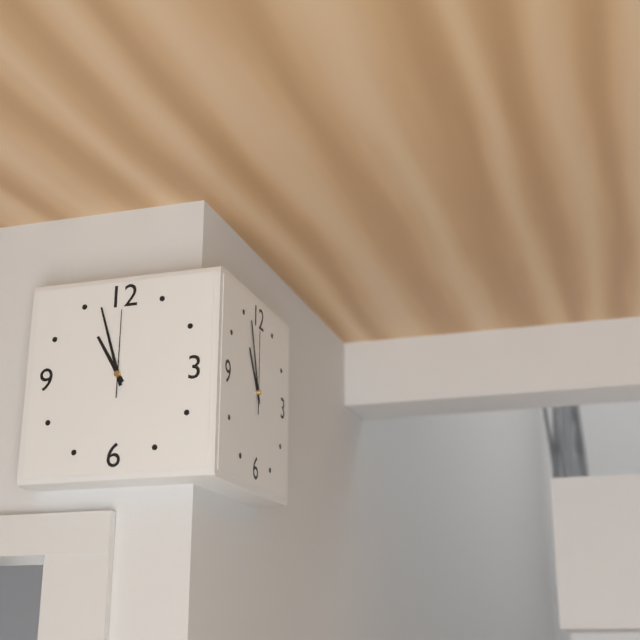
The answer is 10:57:00
